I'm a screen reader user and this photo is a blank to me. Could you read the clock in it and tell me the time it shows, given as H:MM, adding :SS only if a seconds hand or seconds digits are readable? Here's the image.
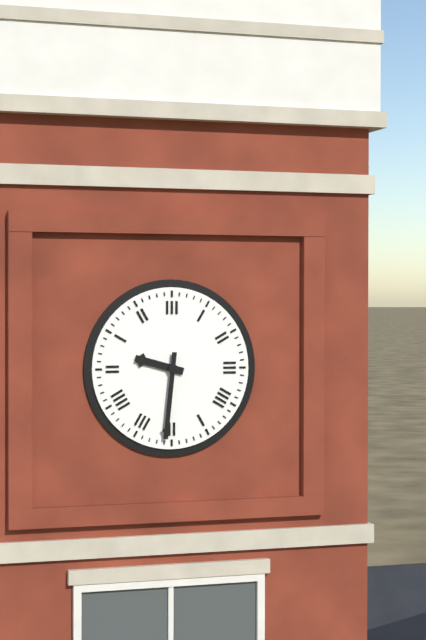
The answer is 9:31
